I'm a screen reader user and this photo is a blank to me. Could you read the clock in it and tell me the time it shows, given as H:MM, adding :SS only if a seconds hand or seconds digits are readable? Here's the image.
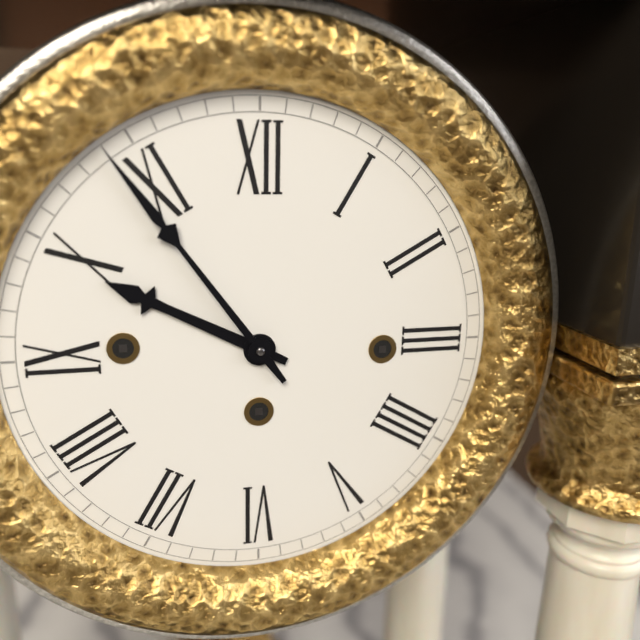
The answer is 9:54
